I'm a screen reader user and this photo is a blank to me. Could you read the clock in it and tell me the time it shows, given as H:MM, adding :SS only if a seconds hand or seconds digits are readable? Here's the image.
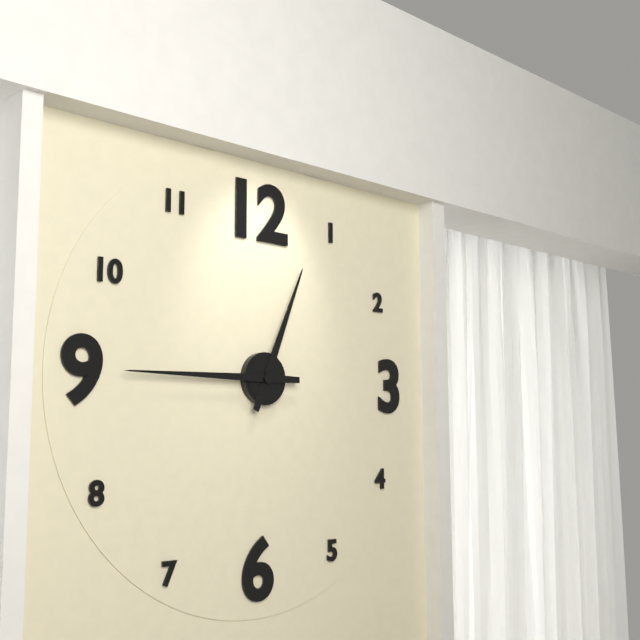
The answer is 12:45
